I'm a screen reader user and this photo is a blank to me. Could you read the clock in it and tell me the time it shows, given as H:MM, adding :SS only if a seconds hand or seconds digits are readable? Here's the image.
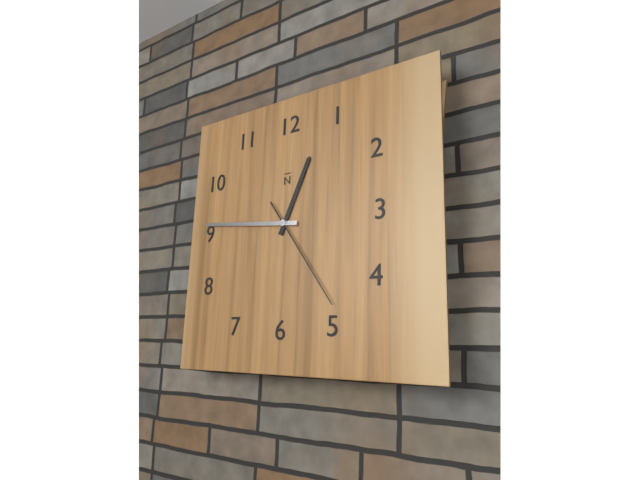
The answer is 12:46:24
